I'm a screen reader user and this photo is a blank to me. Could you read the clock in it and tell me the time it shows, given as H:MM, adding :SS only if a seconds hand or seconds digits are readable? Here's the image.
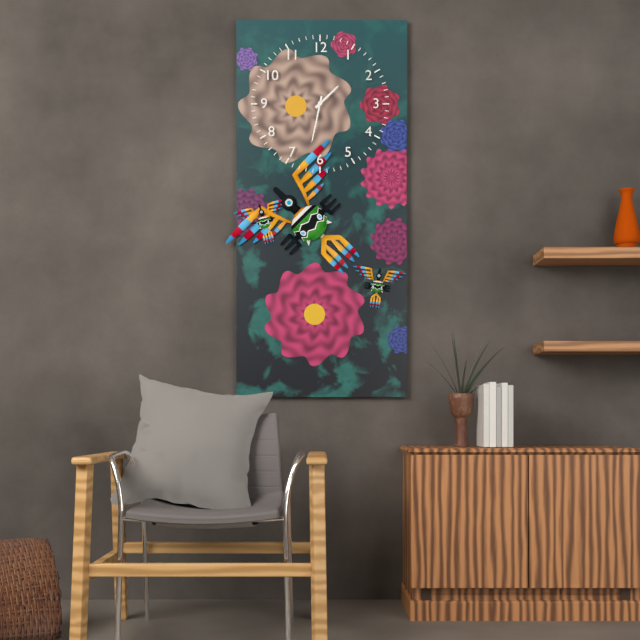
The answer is 1:32
